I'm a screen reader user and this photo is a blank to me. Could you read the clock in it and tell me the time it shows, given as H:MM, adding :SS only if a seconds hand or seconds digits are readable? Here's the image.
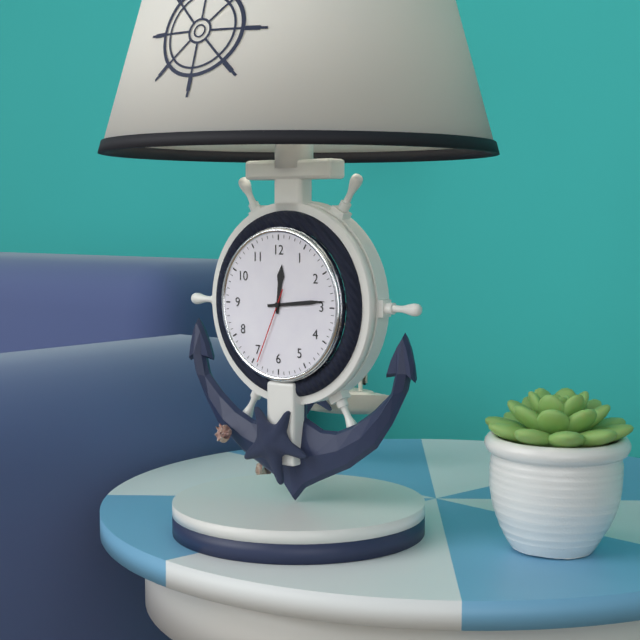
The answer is 12:14:34
